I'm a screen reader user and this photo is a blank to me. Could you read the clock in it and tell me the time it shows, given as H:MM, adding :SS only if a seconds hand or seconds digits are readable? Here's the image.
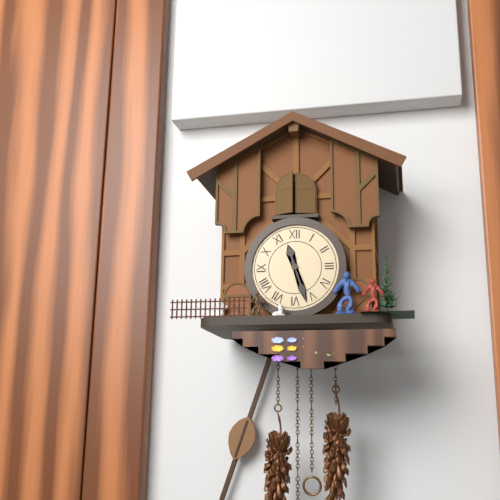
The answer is 11:27
